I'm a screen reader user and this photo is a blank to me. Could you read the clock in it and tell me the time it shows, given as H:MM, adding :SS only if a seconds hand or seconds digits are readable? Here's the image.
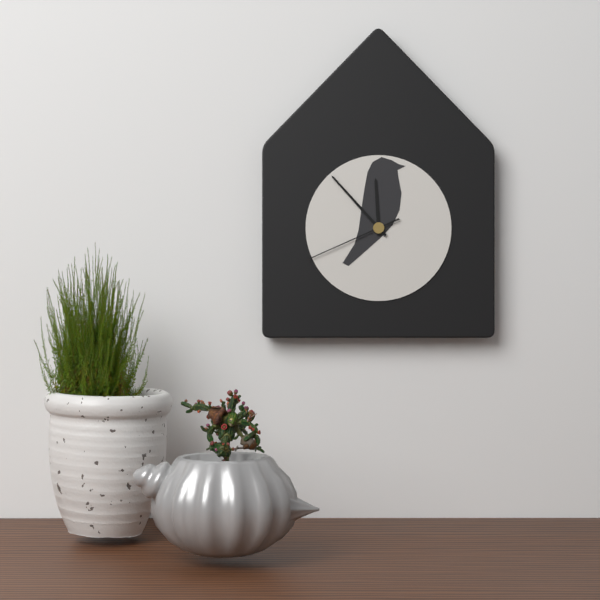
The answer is 11:53:41
